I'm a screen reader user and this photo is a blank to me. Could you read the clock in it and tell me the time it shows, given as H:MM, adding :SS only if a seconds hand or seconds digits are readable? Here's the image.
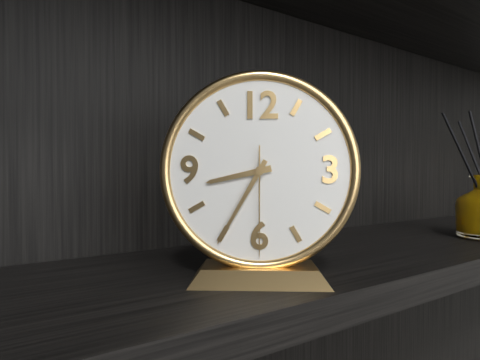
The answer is 8:35:30
